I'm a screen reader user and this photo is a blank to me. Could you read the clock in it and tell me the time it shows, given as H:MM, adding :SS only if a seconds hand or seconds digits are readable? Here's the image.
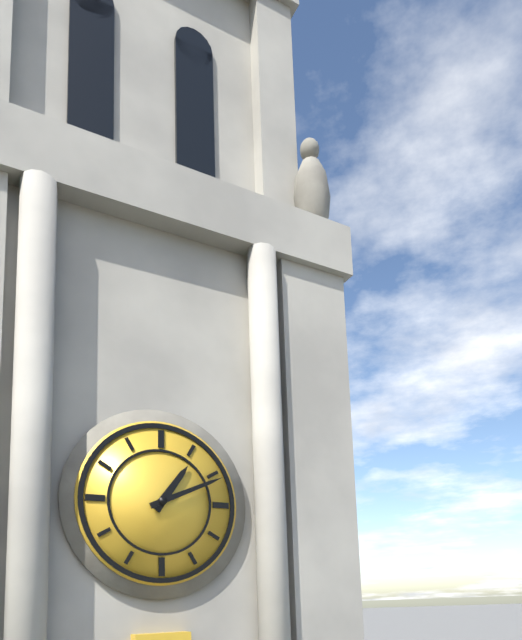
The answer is 1:11
